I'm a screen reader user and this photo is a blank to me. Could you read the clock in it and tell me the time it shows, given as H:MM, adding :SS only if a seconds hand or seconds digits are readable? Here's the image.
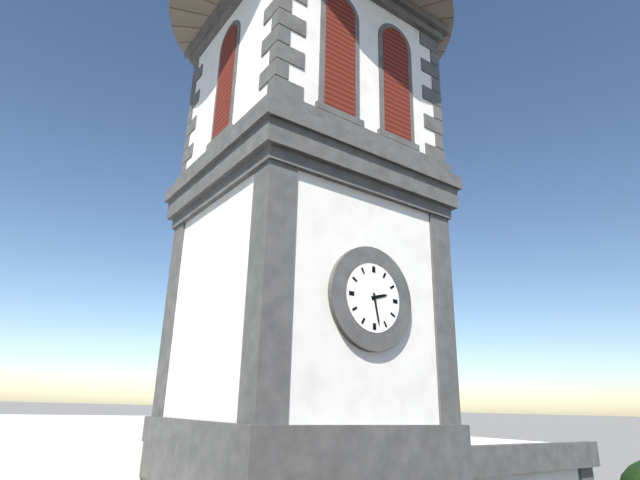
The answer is 2:28
